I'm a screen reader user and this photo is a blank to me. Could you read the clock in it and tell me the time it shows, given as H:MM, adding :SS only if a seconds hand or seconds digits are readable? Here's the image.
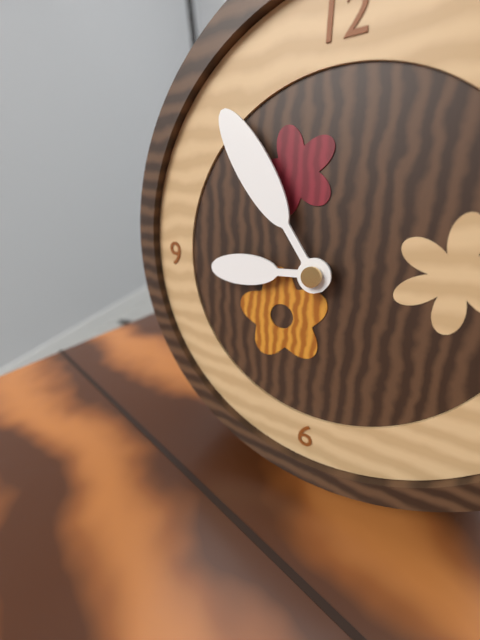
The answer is 8:54
